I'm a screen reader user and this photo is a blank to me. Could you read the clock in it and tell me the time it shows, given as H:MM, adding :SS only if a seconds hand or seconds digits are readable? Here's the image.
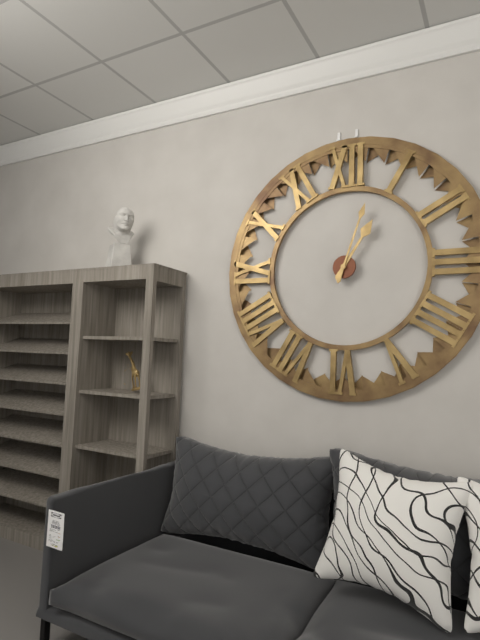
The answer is 1:03
